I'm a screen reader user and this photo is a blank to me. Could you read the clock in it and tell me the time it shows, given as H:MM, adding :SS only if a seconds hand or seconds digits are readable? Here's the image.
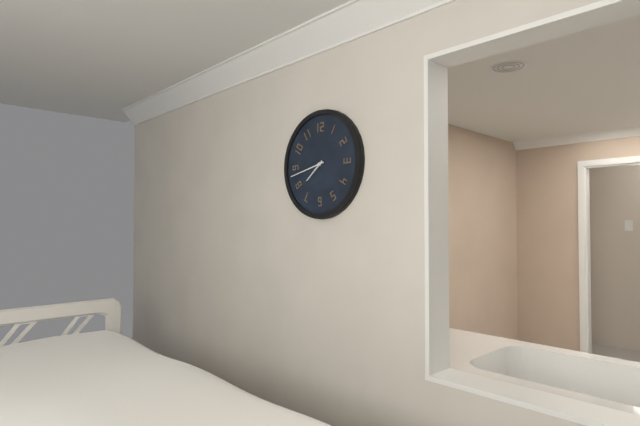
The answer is 7:43
